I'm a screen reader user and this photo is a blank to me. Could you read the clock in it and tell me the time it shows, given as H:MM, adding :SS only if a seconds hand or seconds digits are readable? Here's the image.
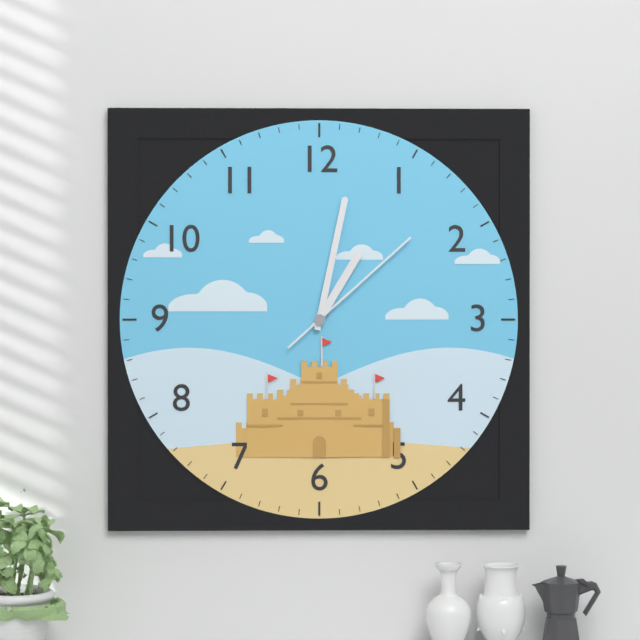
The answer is 1:02:08
